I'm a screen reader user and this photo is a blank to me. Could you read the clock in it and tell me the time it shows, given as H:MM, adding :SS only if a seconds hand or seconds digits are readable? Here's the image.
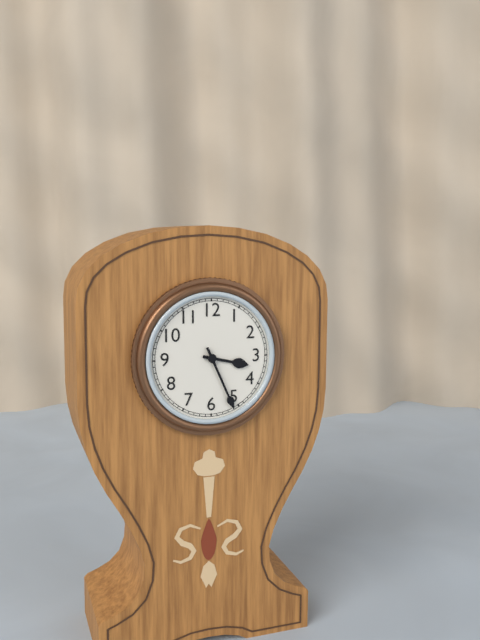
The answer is 3:26
